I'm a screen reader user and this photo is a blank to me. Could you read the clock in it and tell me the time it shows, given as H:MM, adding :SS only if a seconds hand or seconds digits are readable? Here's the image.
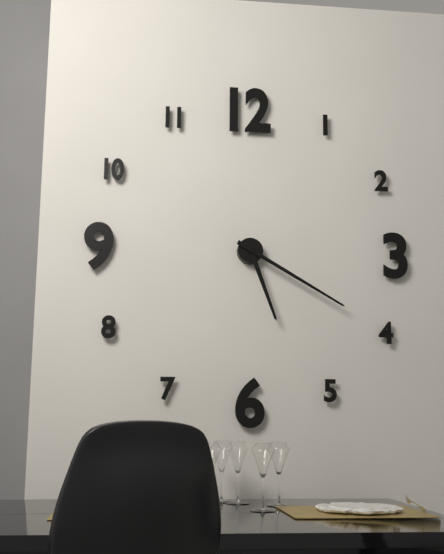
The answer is 5:20
